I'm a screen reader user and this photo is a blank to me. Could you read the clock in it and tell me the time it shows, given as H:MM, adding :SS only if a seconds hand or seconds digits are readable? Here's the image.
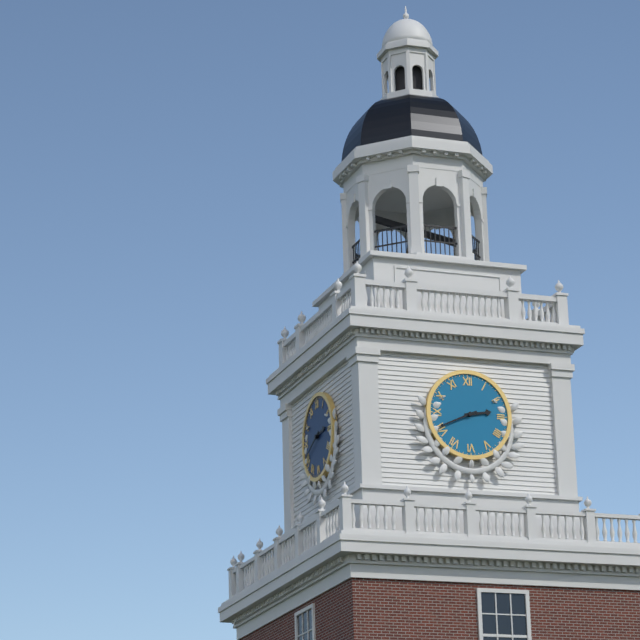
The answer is 2:41
